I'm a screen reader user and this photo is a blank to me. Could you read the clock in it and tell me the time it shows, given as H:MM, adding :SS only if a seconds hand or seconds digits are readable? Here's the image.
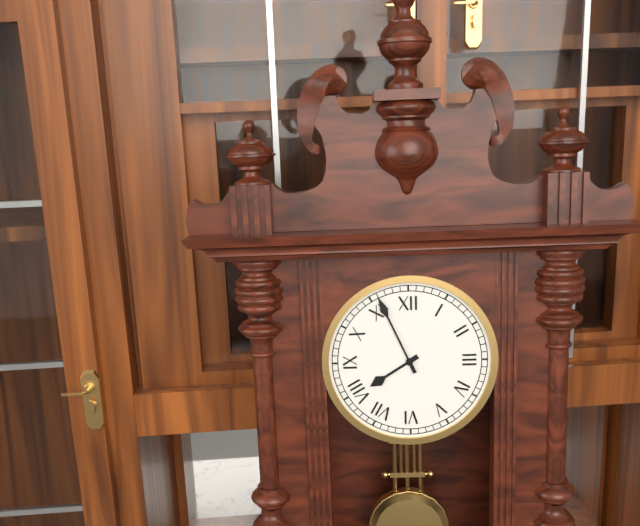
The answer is 7:56
